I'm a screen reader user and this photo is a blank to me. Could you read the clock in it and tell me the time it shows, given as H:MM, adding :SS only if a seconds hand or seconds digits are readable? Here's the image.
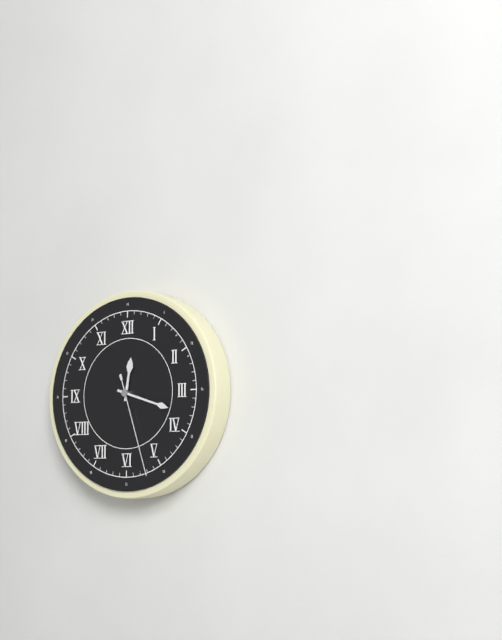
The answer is 12:18:27
